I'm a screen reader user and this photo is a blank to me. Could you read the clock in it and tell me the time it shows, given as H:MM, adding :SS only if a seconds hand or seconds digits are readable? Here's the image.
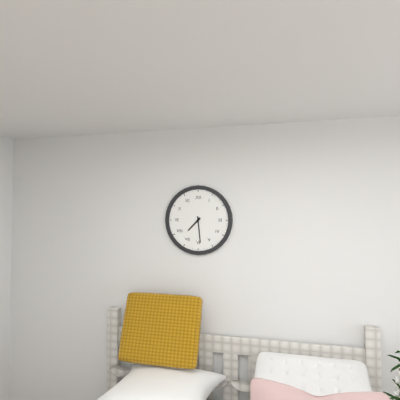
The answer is 7:29
